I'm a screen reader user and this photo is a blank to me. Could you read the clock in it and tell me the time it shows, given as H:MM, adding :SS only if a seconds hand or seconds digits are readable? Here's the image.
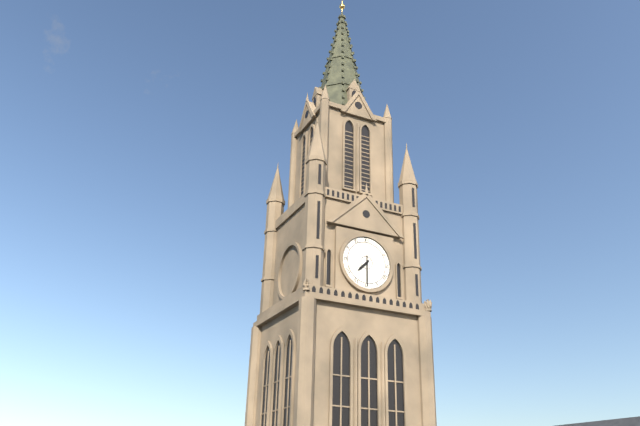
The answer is 7:30
